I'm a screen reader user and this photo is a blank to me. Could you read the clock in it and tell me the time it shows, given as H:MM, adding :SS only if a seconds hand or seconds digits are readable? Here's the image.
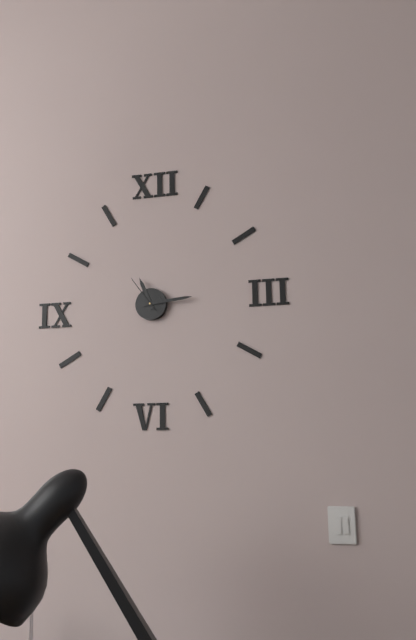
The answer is 11:14
